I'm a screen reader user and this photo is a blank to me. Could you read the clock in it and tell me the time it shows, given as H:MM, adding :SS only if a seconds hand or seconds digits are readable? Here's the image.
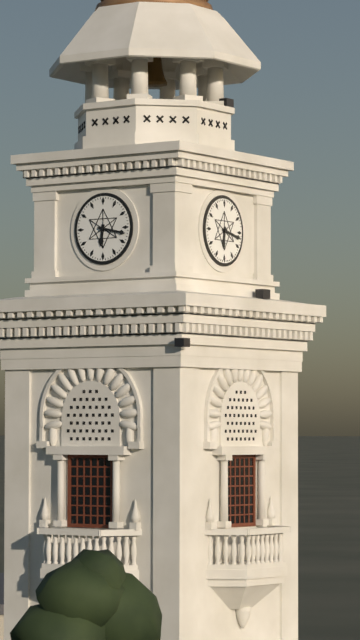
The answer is 6:17
